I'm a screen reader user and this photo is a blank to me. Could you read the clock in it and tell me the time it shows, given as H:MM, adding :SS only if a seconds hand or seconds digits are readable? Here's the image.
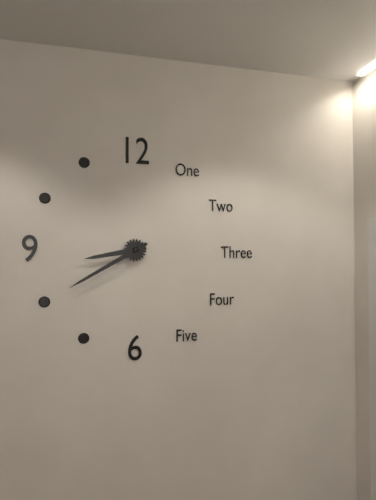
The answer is 8:40
